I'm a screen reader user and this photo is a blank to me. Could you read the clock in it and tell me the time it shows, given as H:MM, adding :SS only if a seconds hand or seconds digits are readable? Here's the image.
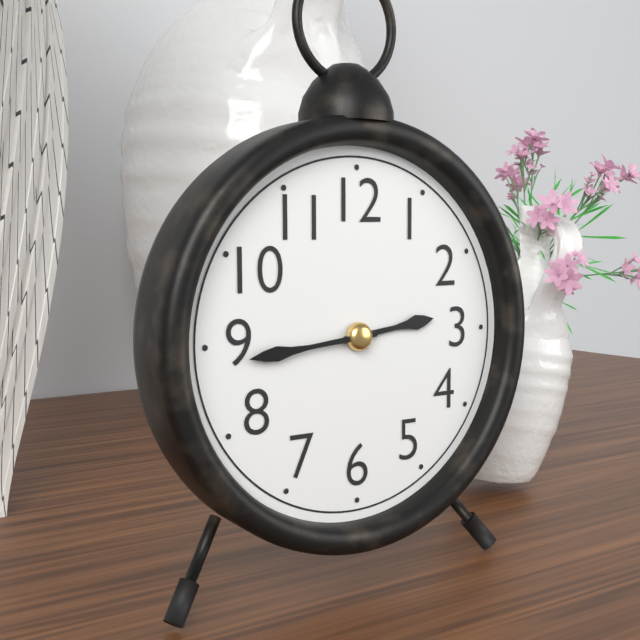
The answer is 2:44
